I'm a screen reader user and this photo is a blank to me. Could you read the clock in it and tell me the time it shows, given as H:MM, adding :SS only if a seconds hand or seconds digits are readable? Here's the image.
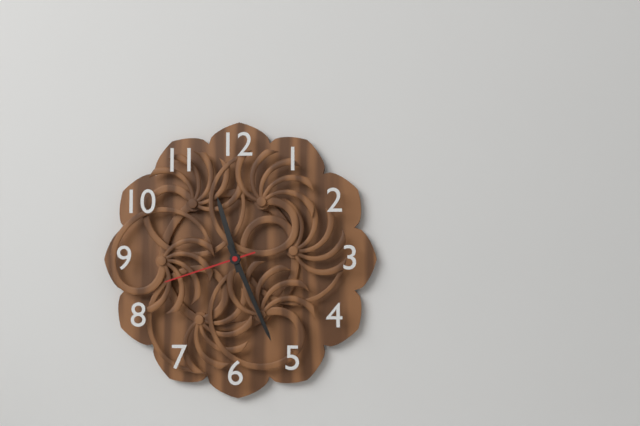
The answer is 11:26:42
